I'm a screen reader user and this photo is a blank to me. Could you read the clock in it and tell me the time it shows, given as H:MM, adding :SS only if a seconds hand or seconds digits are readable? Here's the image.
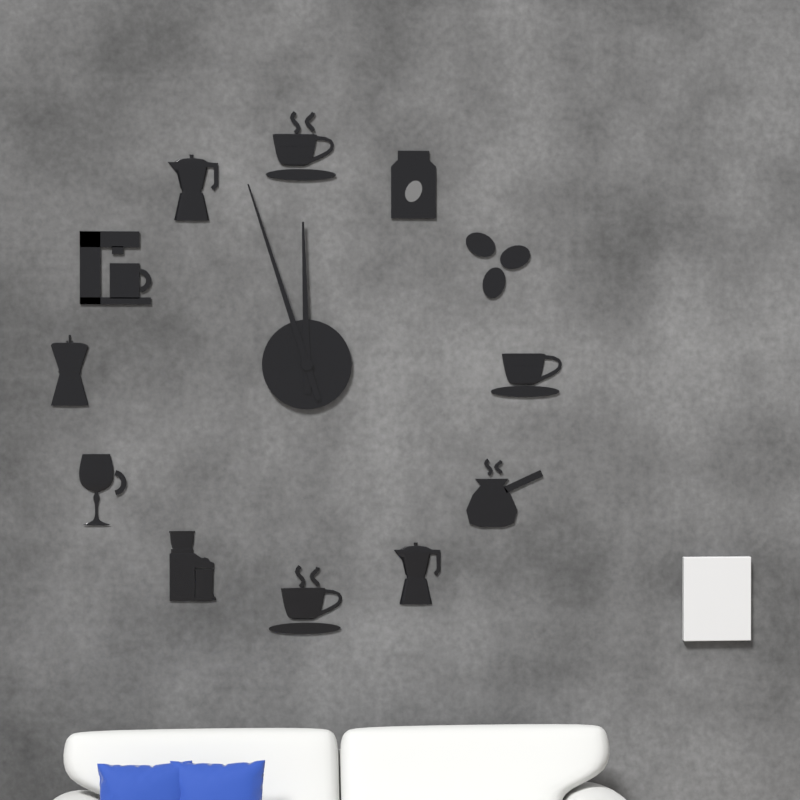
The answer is 11:57
